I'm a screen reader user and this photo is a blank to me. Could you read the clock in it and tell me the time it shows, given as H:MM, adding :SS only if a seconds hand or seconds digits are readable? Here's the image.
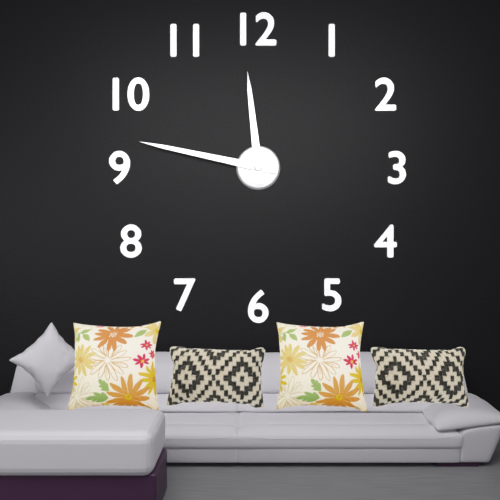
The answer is 11:47
